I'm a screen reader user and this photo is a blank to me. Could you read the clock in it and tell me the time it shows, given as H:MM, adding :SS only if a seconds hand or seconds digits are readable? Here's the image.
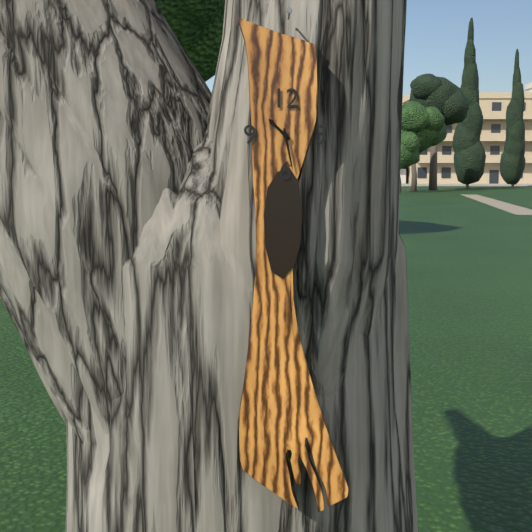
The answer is 10:28
